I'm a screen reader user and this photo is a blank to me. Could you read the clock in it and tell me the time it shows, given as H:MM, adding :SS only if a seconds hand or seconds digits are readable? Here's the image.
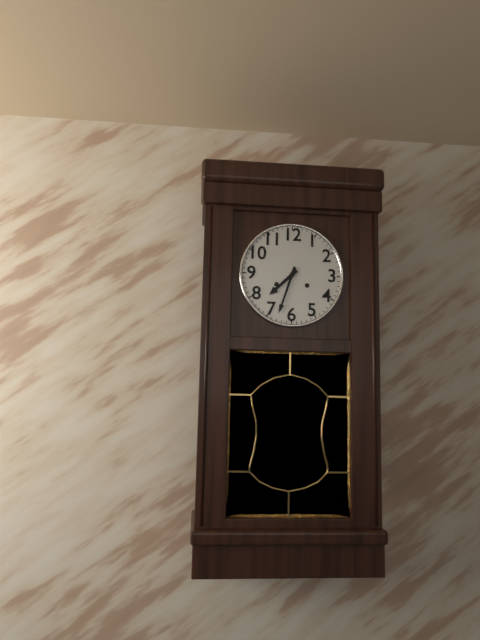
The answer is 7:33
